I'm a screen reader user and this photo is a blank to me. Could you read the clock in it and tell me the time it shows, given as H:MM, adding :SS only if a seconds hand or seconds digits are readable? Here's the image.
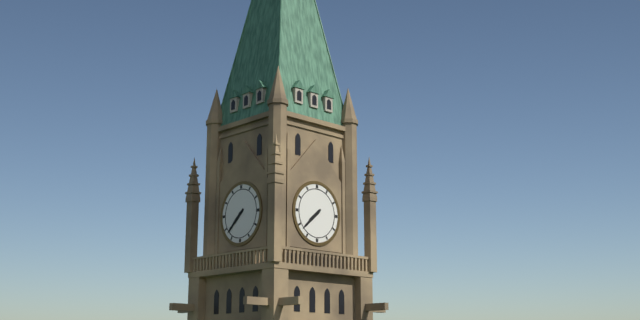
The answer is 7:38
